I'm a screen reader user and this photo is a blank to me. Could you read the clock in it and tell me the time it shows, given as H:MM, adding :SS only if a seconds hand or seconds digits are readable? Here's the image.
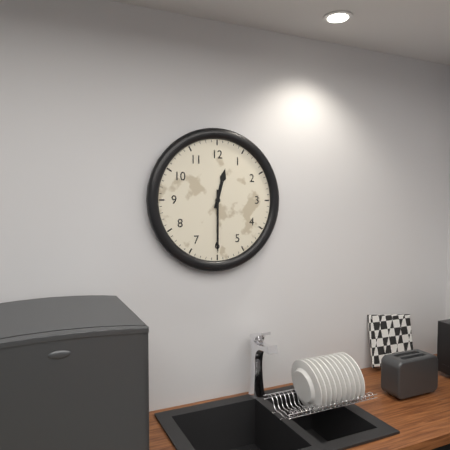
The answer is 12:30
